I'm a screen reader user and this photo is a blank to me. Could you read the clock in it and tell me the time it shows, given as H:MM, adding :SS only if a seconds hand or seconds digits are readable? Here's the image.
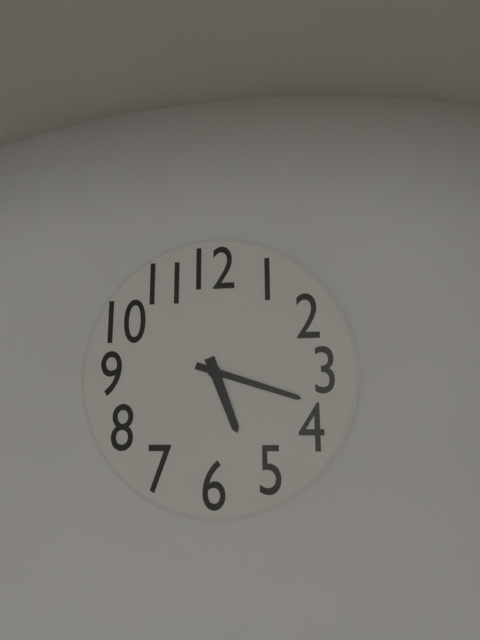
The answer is 5:18
